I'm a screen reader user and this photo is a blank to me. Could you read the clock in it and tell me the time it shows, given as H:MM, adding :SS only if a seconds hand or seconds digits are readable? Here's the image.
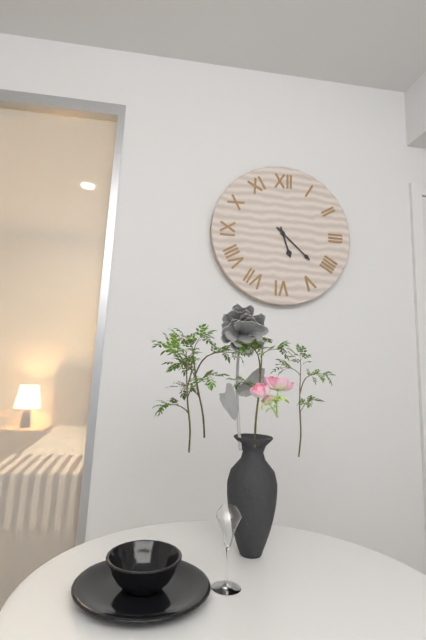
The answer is 5:22
